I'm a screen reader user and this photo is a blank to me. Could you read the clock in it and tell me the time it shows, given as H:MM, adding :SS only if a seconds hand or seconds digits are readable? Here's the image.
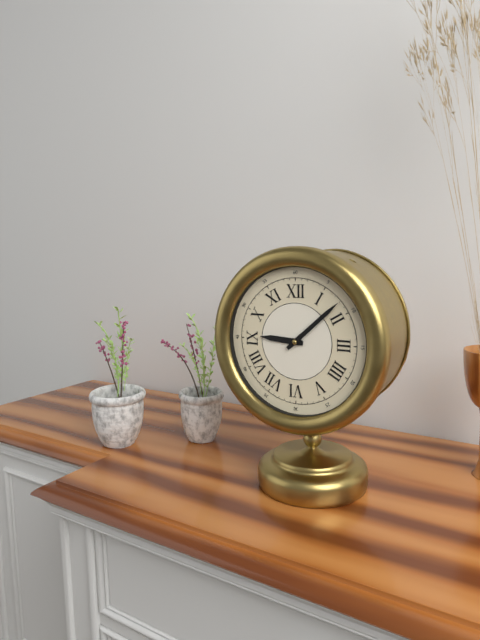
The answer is 9:08
